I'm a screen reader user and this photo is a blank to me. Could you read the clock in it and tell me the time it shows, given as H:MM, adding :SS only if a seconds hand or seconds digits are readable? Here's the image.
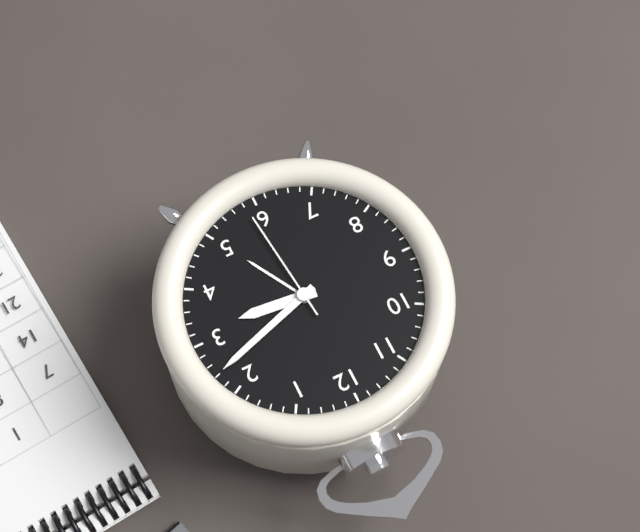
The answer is 3:12:29
